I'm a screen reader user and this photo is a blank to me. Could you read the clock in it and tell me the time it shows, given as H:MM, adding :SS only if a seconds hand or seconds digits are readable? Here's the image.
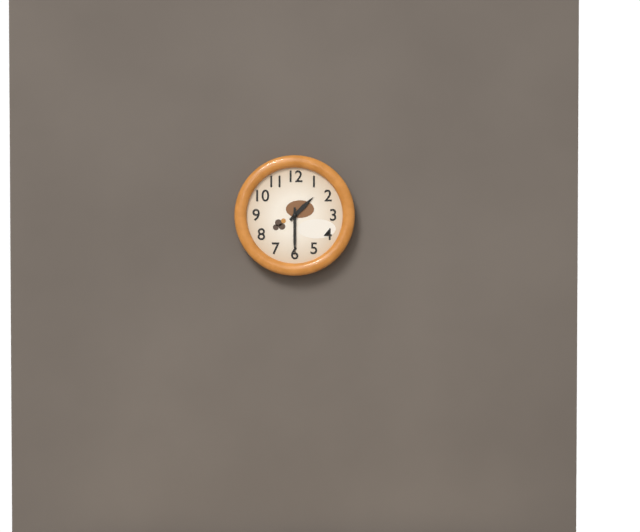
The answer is 1:30
